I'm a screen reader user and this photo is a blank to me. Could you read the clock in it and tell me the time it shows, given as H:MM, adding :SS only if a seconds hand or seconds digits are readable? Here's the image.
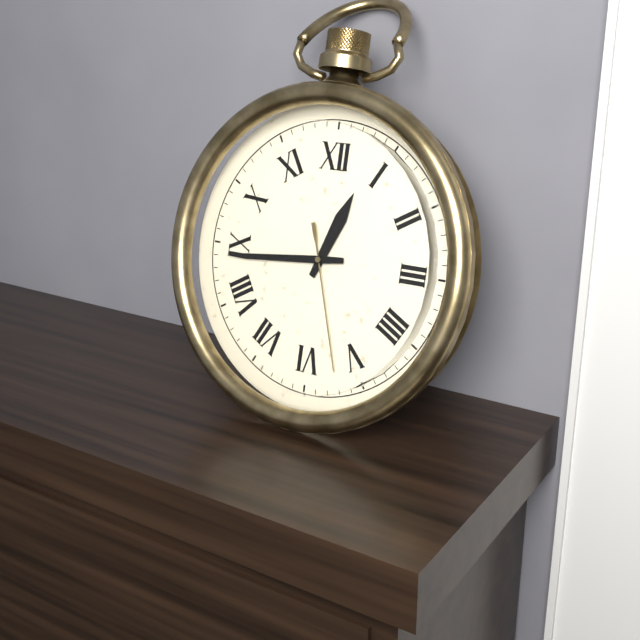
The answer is 12:44:27
